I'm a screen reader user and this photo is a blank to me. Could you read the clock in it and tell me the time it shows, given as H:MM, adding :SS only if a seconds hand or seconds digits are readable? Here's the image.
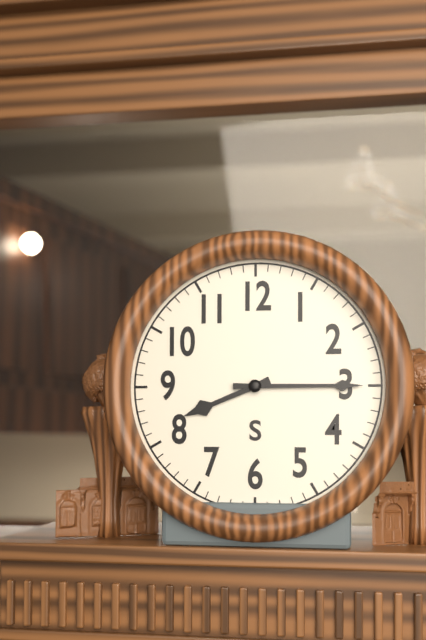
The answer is 8:15
